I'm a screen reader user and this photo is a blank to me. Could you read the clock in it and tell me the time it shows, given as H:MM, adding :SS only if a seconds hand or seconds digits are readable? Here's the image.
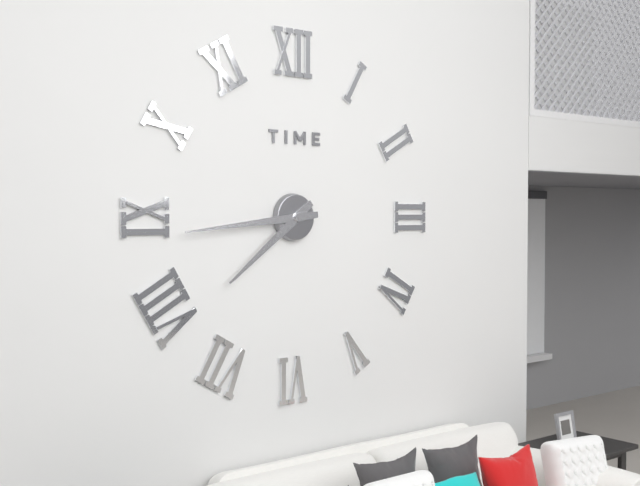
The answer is 7:44
